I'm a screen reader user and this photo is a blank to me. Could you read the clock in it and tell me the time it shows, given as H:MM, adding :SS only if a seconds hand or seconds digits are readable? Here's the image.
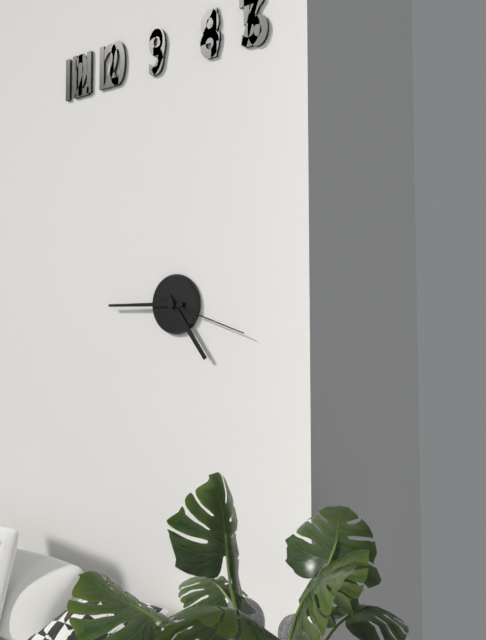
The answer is 4:45:18
